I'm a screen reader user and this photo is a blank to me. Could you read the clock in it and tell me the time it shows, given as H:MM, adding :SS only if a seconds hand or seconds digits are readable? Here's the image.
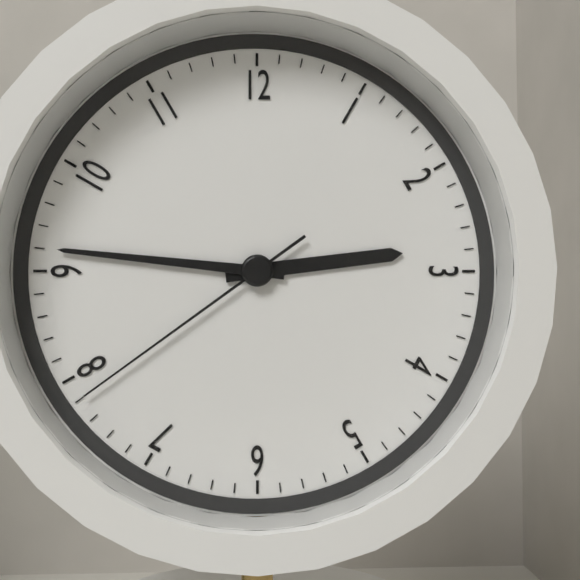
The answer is 2:46:39
